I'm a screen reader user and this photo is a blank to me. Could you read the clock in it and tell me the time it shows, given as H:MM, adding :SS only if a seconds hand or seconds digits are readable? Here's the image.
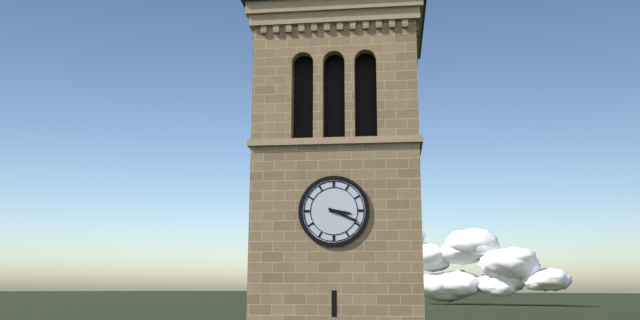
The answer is 3:19
